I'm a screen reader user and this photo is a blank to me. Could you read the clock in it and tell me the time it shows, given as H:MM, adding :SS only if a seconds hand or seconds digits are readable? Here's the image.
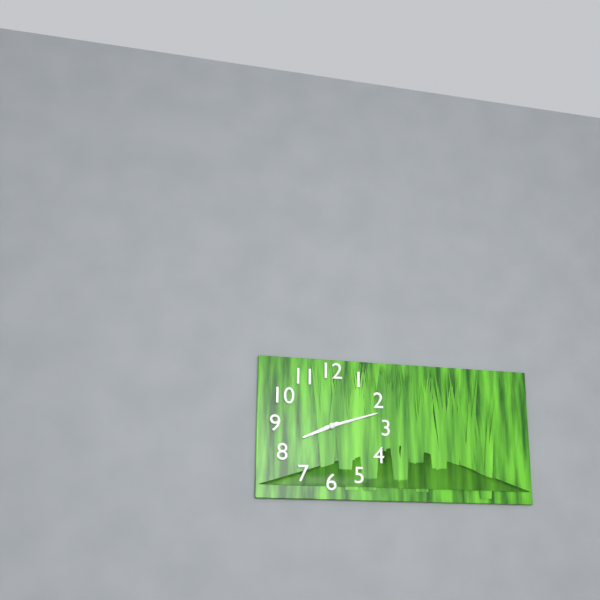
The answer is 8:12:12
